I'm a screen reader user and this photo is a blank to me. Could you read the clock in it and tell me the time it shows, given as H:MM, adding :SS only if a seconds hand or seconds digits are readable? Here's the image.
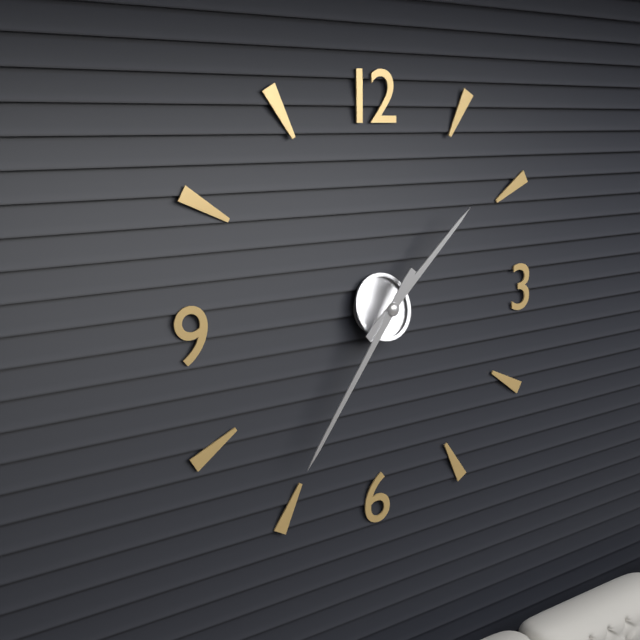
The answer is 1:36
